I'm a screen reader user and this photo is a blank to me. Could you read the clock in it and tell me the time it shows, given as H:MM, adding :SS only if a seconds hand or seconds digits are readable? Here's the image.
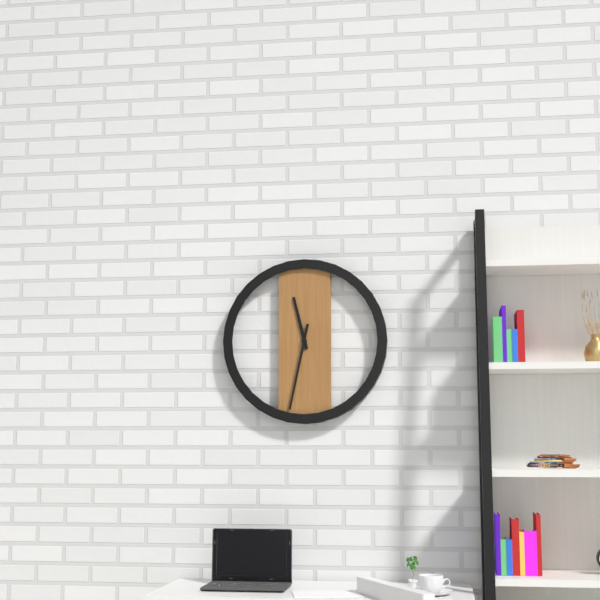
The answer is 11:32
